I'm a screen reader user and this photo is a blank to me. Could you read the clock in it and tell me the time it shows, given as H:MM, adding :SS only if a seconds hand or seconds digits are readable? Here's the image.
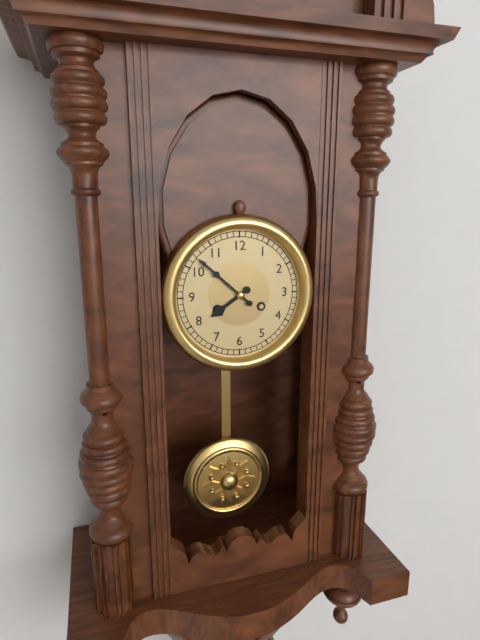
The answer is 7:52
